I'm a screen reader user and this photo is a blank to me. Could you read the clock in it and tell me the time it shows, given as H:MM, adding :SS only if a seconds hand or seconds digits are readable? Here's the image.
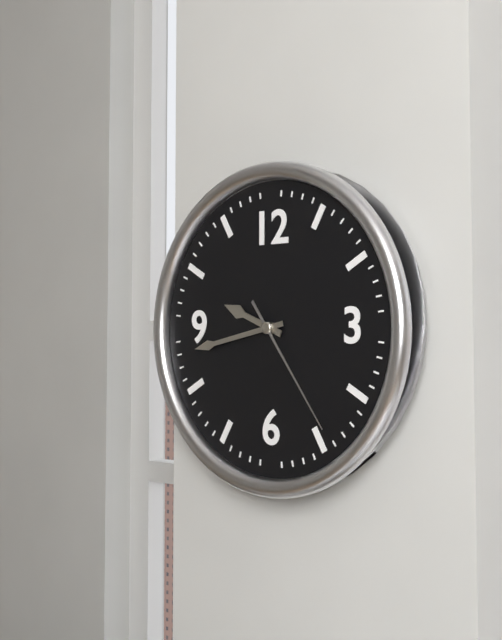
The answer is 9:43:24
